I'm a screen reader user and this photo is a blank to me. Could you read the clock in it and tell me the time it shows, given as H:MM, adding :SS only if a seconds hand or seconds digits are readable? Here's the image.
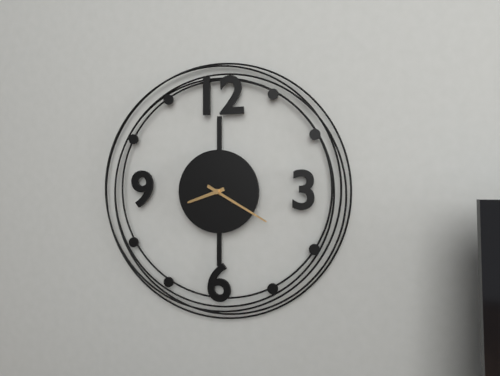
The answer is 8:20
